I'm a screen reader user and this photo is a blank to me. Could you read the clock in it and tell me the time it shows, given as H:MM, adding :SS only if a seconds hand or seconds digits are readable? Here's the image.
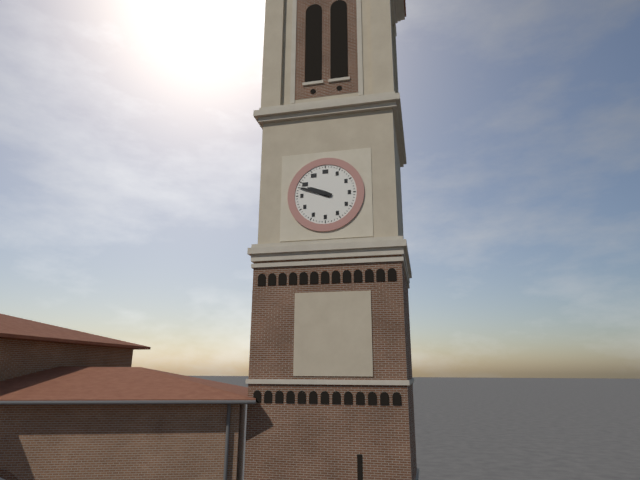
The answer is 9:48
